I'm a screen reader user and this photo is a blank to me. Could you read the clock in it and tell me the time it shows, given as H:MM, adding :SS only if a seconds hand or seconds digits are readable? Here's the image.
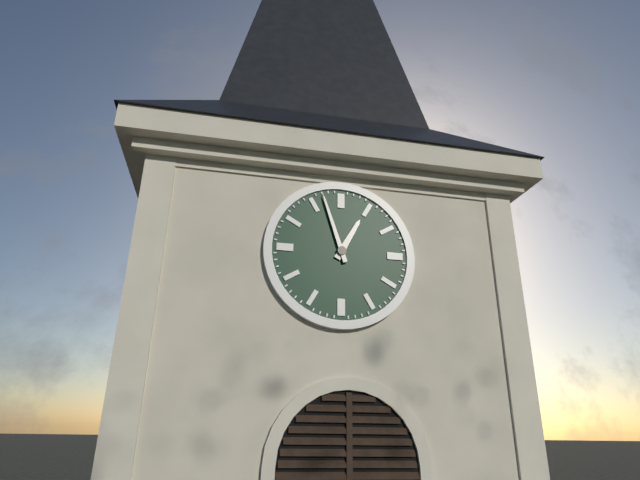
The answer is 12:57
